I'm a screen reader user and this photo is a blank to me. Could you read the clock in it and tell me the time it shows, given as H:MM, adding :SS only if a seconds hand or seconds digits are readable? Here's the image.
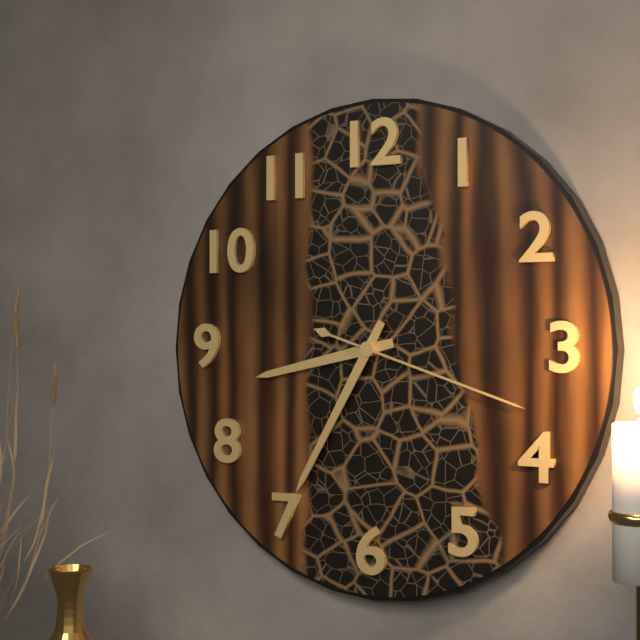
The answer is 8:35:18
